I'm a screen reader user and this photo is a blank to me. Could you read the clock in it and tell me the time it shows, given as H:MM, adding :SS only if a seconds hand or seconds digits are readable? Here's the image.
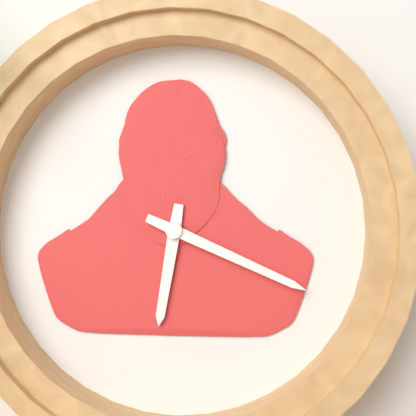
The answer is 6:19
